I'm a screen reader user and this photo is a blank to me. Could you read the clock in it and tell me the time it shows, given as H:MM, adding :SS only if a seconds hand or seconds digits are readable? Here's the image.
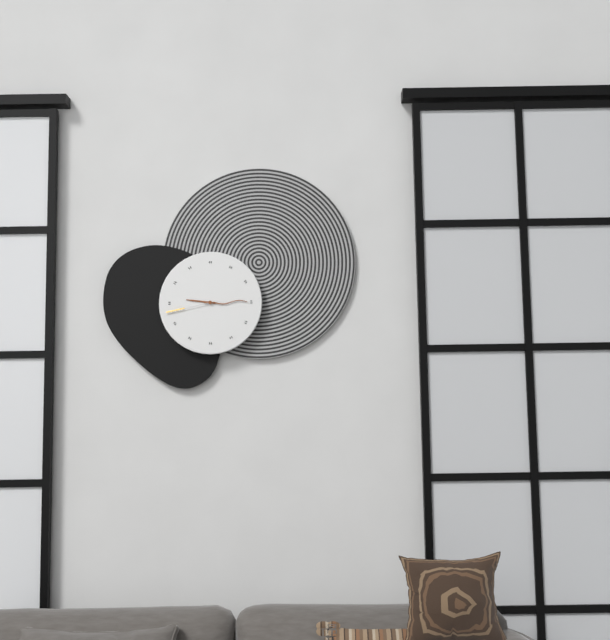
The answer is 9:15:43
